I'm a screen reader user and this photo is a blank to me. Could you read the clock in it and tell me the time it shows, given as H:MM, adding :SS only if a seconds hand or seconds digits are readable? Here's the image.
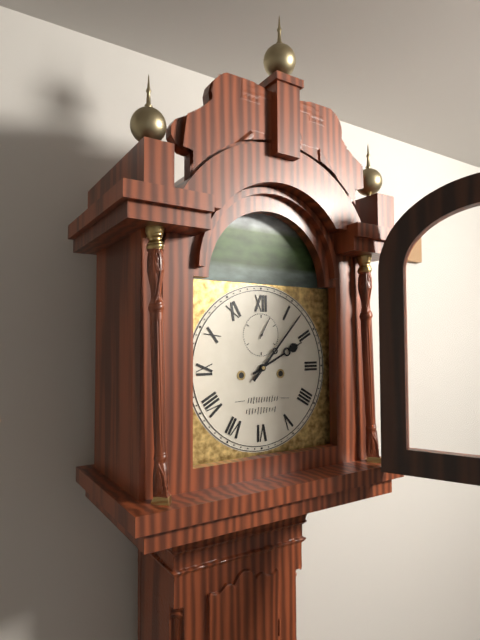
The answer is 2:07
